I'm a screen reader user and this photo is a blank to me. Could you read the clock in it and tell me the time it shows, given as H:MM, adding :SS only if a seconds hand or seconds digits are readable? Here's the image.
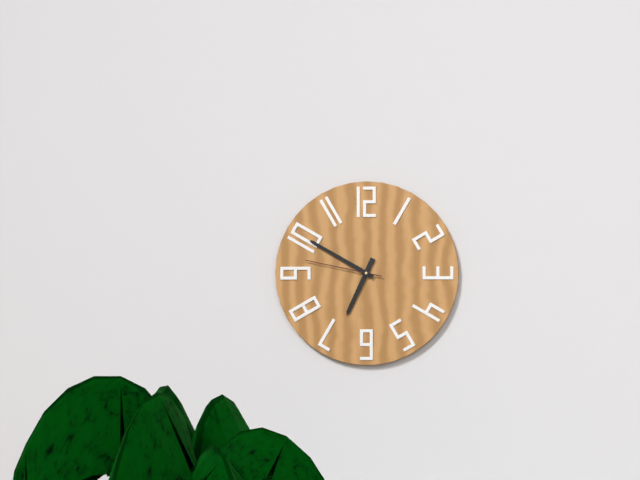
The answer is 6:50:47
